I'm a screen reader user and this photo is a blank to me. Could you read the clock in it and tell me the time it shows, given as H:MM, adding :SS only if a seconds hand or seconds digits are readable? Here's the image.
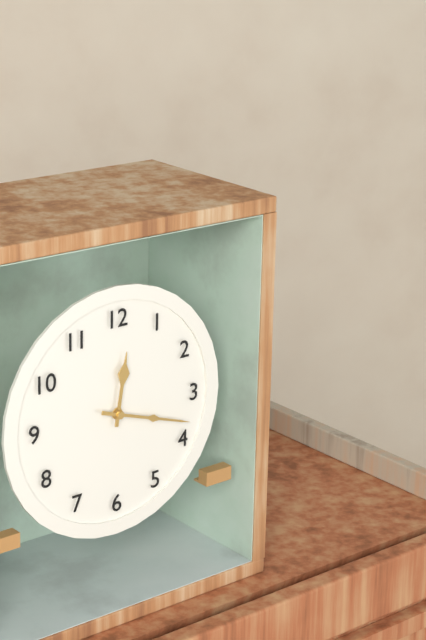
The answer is 12:18
